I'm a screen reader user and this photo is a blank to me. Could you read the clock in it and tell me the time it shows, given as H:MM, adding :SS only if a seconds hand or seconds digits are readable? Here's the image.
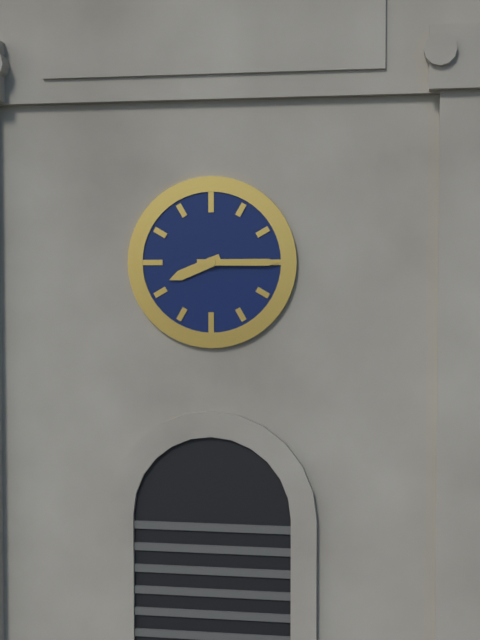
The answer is 8:15
